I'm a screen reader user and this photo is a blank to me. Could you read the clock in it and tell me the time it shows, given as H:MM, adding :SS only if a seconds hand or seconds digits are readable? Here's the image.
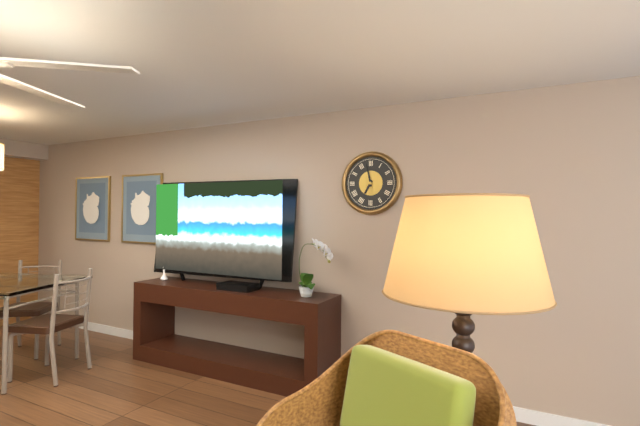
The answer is 6:58
